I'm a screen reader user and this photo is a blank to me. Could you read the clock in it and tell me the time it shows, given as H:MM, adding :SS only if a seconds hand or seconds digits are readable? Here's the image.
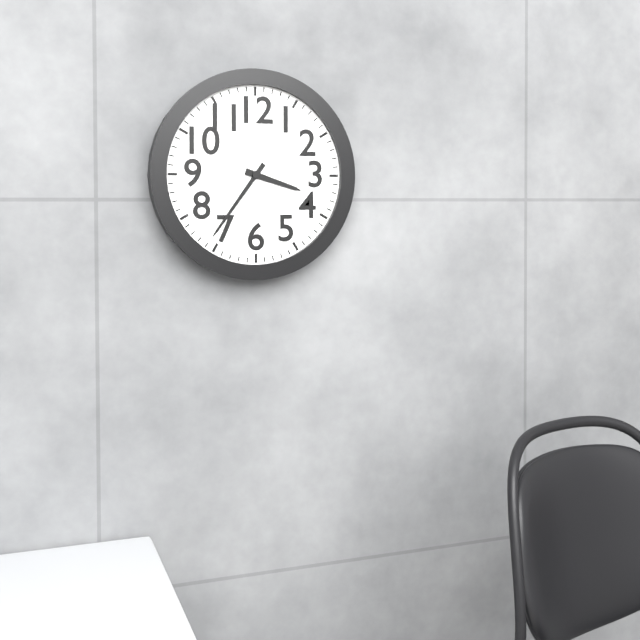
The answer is 3:36
